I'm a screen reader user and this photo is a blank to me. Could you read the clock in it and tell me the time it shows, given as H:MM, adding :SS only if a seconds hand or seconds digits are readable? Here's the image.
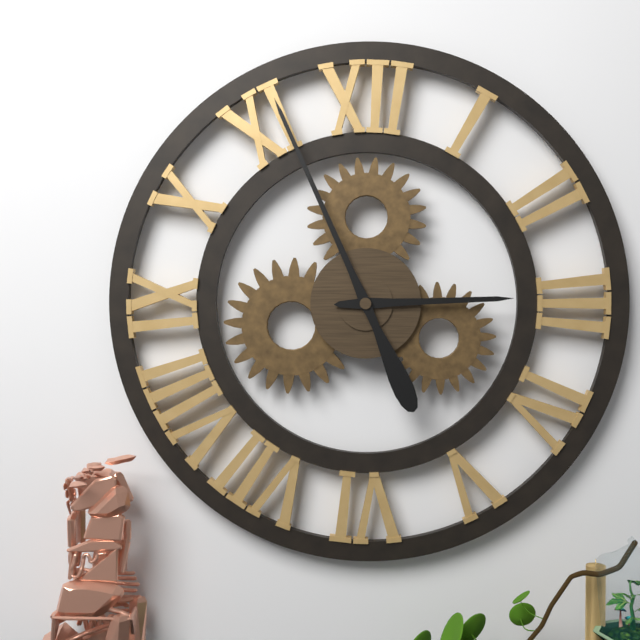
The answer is 2:56
